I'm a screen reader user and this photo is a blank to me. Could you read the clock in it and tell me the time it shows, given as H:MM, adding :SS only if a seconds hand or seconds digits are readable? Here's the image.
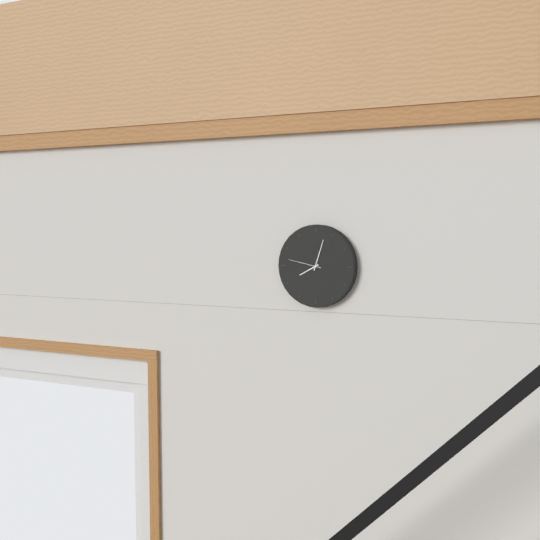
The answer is 8:03
